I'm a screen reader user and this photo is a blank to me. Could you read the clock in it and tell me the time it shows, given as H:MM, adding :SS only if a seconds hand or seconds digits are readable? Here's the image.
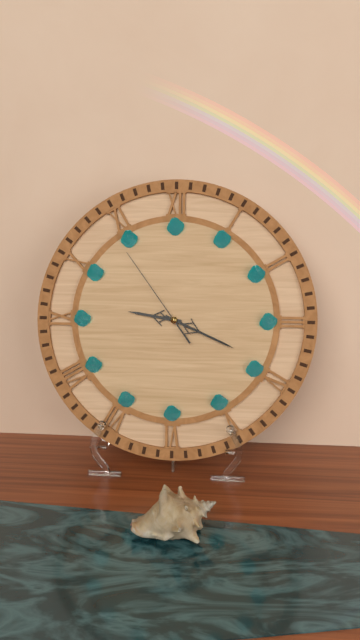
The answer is 9:19:54
